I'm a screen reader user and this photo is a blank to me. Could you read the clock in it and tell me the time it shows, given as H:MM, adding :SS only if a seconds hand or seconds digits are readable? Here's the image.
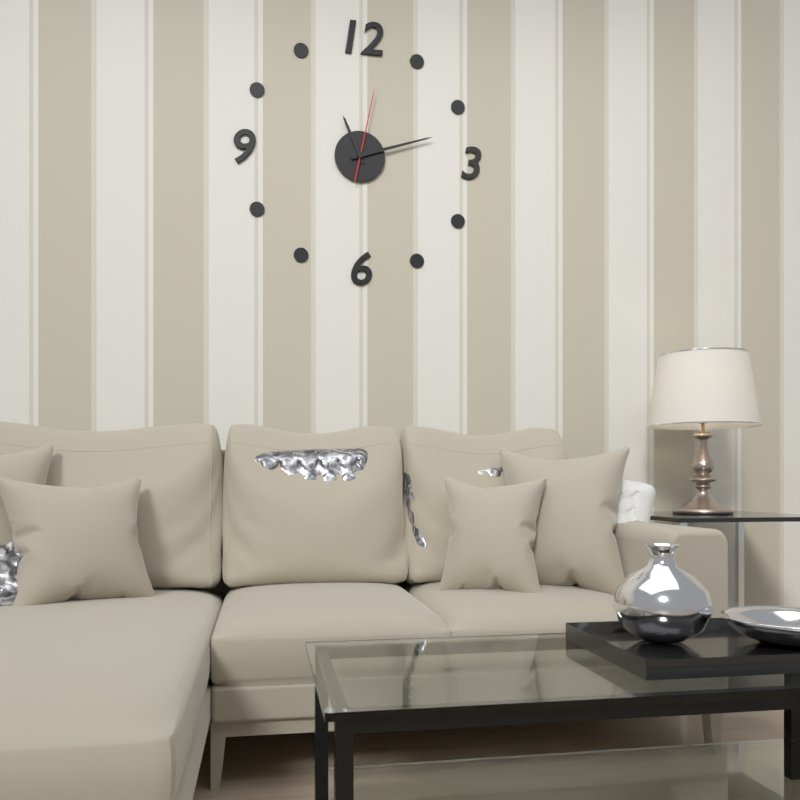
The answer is 11:12:02
